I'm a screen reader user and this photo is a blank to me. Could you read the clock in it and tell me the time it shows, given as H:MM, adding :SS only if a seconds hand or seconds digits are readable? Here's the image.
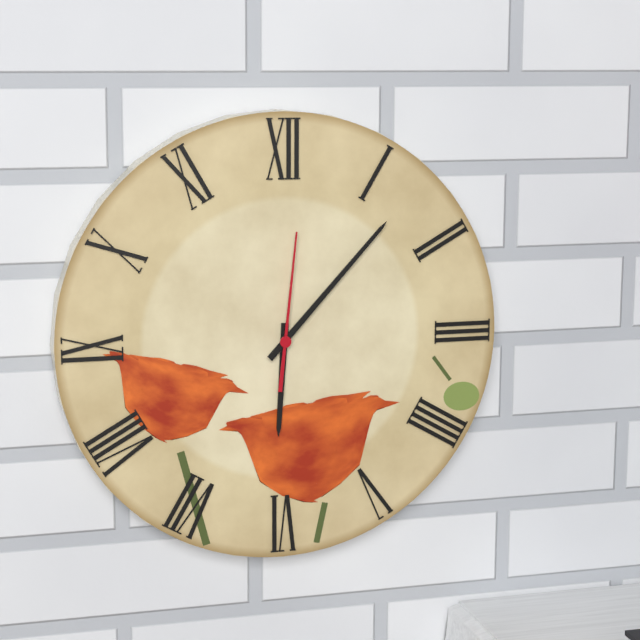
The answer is 6:07:01
